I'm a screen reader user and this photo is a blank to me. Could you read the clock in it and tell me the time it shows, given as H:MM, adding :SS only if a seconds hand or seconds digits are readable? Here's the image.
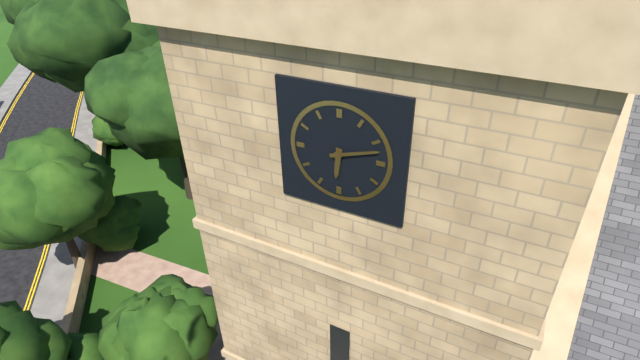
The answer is 6:12
